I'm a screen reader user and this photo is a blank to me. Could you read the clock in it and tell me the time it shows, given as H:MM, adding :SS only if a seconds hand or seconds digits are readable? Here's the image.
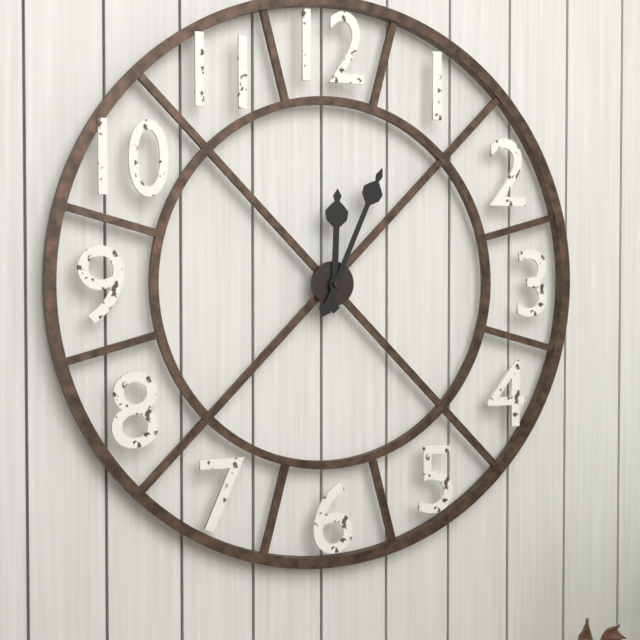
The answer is 12:04
